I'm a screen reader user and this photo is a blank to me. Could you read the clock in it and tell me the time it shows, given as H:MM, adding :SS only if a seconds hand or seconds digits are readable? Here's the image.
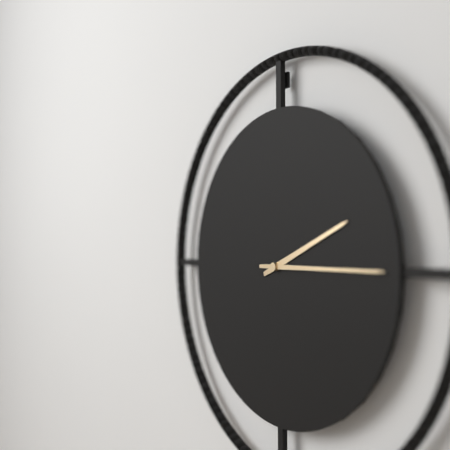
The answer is 2:15
